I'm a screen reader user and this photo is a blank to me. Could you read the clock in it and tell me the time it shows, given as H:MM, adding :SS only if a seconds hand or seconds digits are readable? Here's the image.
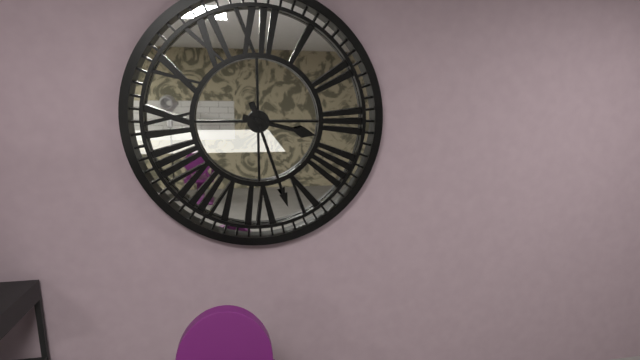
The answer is 3:27
